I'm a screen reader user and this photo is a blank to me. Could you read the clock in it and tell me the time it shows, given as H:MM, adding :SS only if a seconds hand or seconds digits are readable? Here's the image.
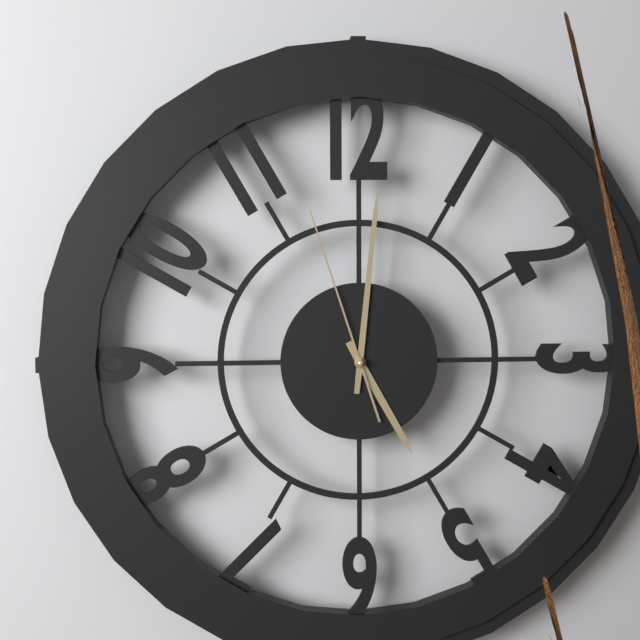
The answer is 5:01:57
